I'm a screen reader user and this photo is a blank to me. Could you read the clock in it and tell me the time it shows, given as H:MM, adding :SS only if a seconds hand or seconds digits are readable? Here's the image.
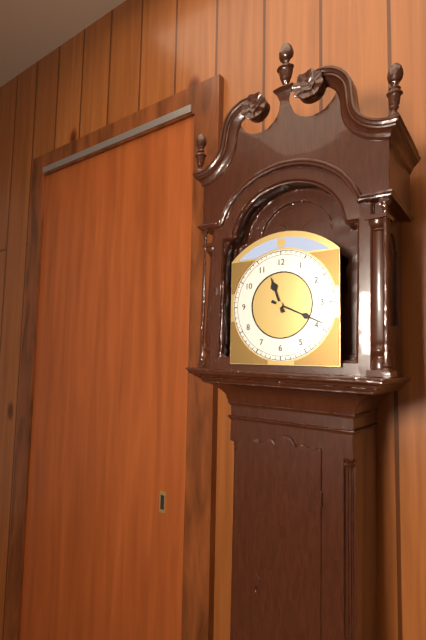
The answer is 11:19
